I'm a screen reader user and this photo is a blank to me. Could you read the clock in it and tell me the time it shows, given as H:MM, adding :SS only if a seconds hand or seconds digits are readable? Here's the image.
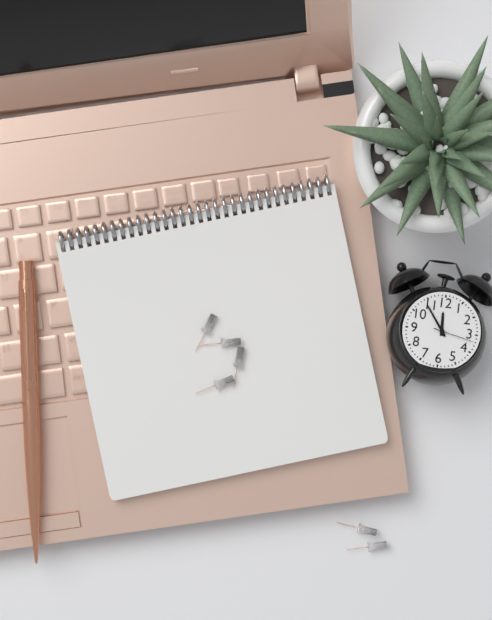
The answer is 11:54
